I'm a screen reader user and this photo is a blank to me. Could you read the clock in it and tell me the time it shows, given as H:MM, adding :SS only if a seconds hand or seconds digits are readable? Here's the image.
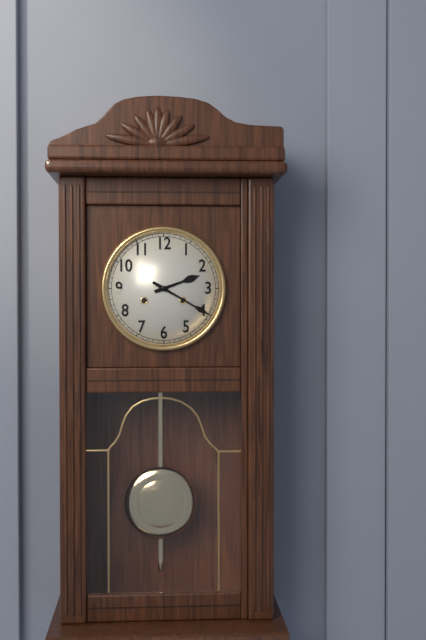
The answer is 2:20
